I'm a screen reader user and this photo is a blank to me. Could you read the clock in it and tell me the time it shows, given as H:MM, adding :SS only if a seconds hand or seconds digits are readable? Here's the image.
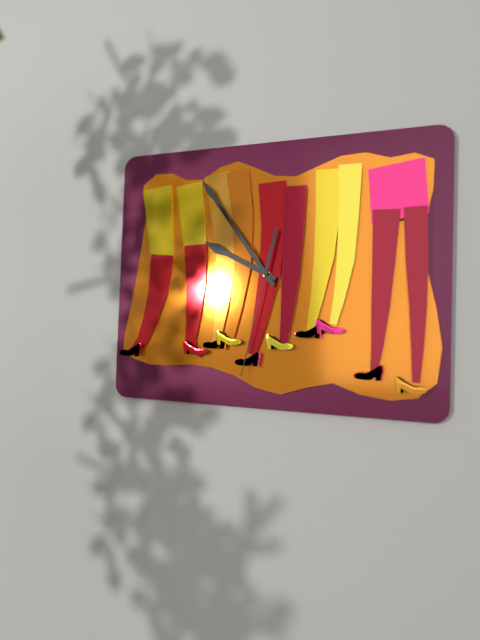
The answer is 9:54:32
